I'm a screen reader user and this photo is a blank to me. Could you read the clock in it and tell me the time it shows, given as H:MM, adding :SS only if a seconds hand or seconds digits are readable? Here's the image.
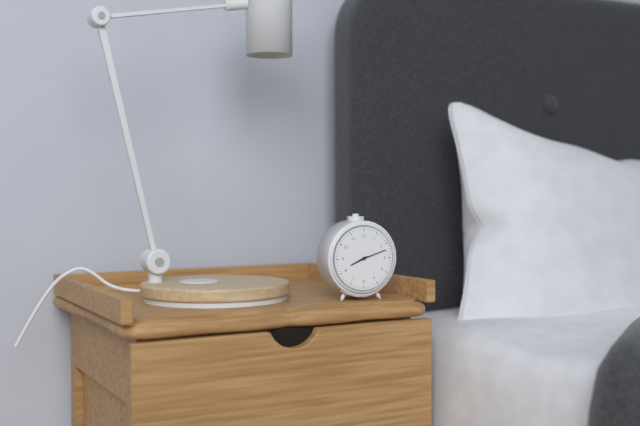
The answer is 8:12
